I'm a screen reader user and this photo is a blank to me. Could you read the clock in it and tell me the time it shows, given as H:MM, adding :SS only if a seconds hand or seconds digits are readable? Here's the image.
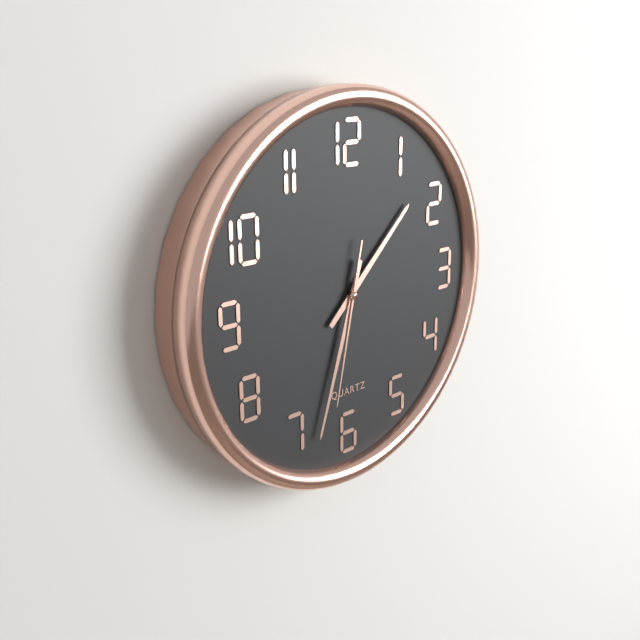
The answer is 1:33:32
